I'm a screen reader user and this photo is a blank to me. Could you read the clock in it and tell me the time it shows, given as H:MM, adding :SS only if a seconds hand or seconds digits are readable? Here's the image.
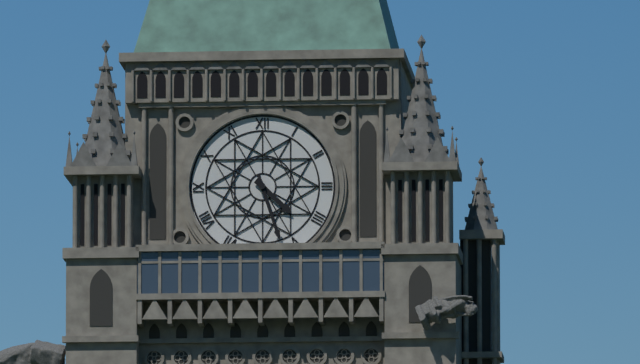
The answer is 4:27
